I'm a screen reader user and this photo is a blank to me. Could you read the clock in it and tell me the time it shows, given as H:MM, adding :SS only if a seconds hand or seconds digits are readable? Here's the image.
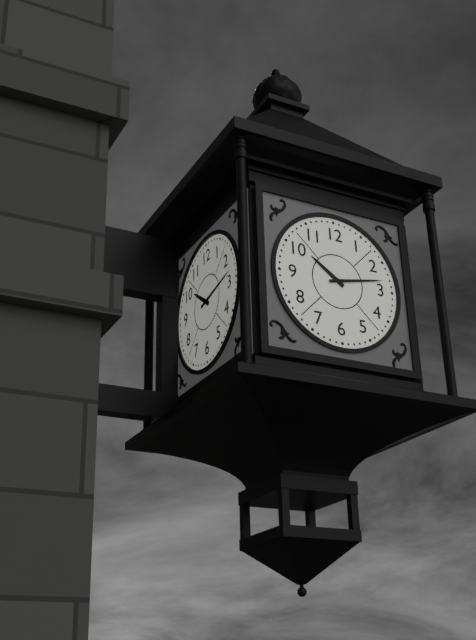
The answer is 10:13
